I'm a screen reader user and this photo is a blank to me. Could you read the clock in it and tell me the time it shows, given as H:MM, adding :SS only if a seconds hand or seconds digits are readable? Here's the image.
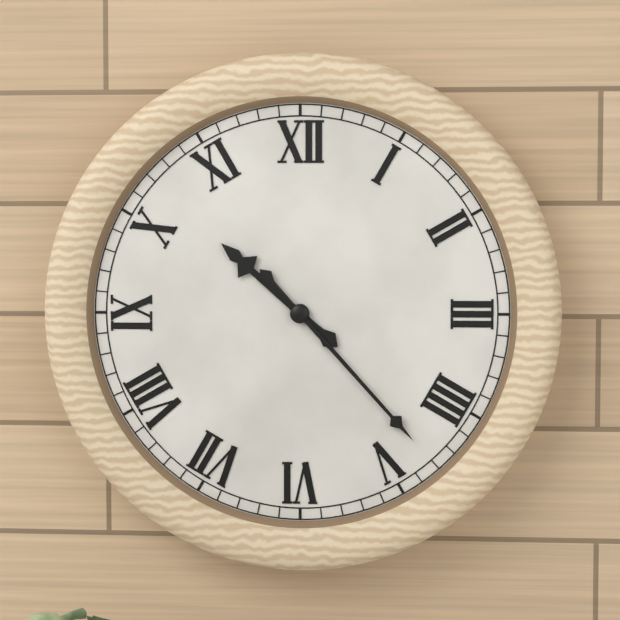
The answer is 10:23
